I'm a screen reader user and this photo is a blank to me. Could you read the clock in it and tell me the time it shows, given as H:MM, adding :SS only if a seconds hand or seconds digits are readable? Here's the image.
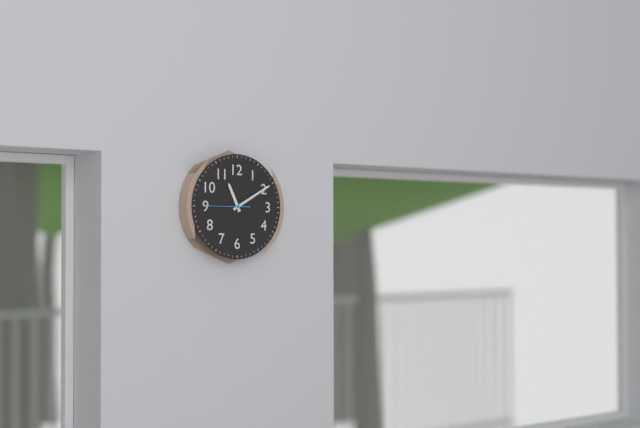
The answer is 11:10
